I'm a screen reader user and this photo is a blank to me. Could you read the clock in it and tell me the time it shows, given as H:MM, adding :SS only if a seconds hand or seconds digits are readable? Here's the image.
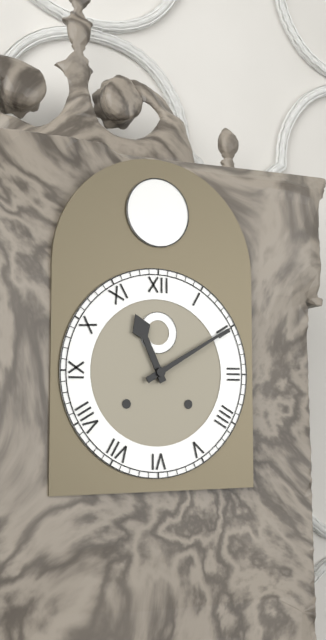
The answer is 11:10
